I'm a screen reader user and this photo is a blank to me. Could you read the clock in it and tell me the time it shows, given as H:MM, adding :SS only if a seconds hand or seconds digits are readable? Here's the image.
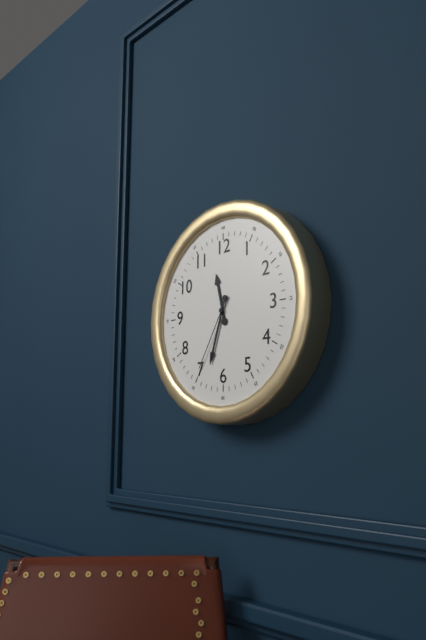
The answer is 11:33:35
